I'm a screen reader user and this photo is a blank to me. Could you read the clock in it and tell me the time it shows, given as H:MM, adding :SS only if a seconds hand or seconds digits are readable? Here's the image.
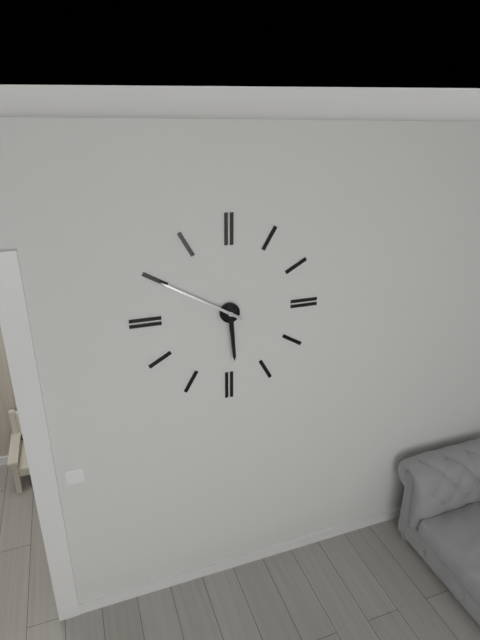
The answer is 5:50
